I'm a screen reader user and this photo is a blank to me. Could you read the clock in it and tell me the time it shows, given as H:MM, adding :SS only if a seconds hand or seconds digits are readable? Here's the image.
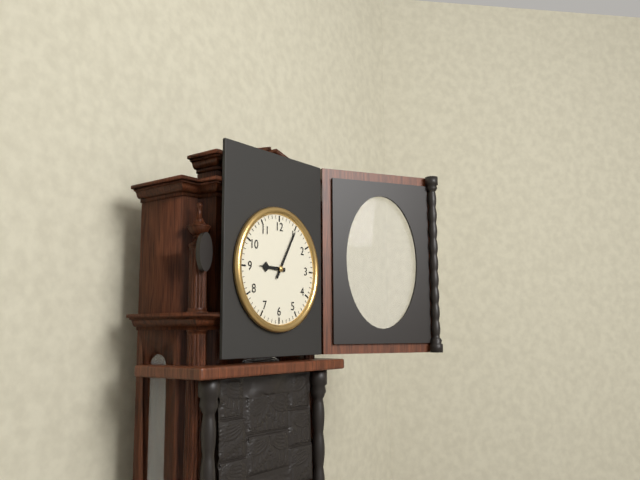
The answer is 9:05
